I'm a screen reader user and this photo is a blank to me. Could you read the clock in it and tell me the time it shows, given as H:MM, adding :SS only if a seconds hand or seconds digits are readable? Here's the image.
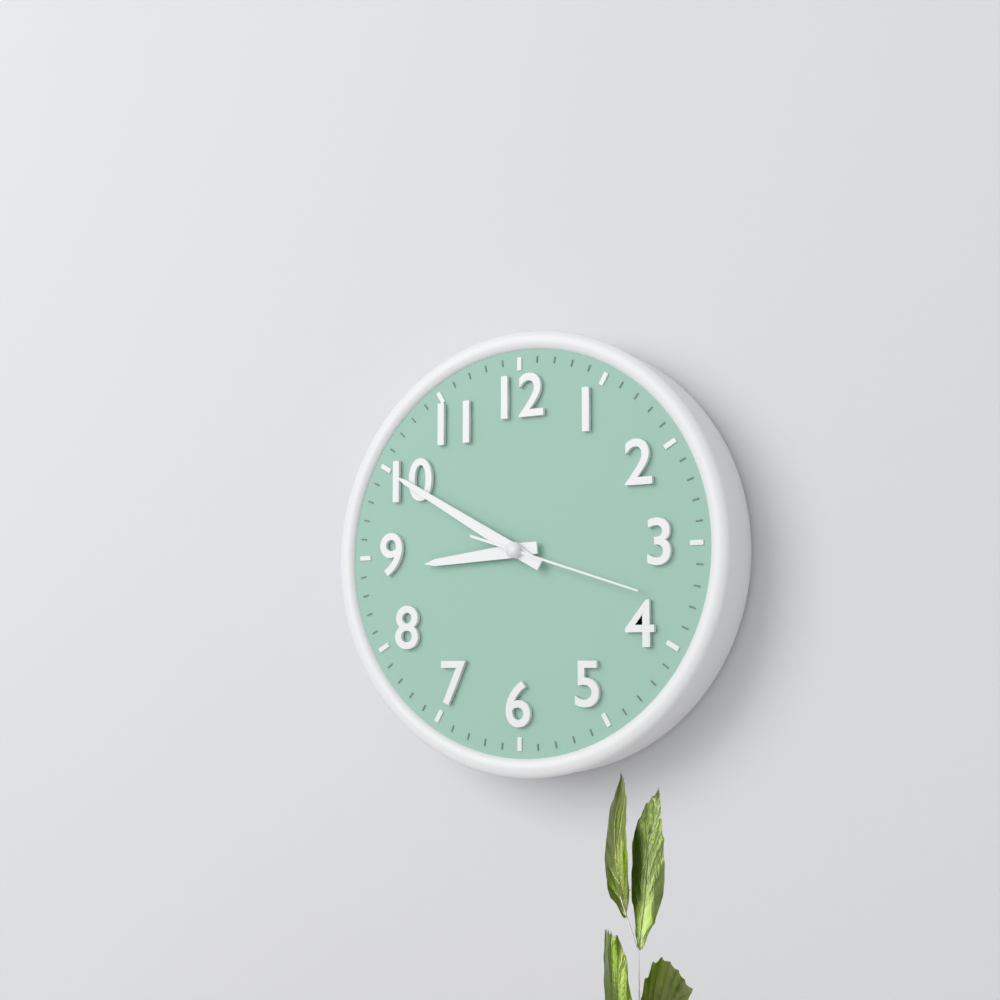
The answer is 8:50:18
